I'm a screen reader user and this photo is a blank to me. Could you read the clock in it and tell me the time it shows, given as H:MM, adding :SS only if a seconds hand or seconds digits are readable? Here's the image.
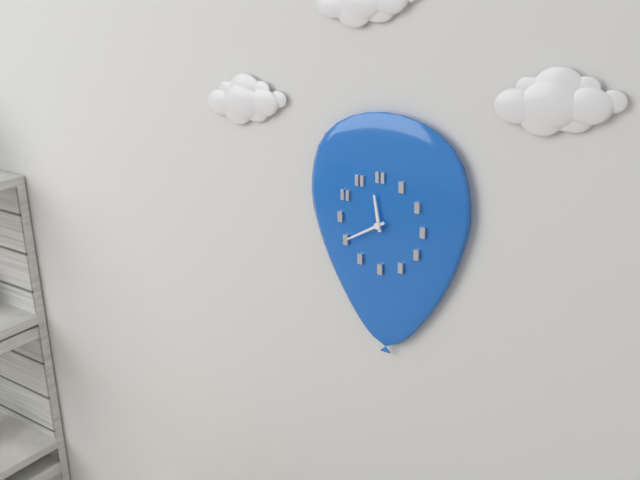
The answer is 11:40
